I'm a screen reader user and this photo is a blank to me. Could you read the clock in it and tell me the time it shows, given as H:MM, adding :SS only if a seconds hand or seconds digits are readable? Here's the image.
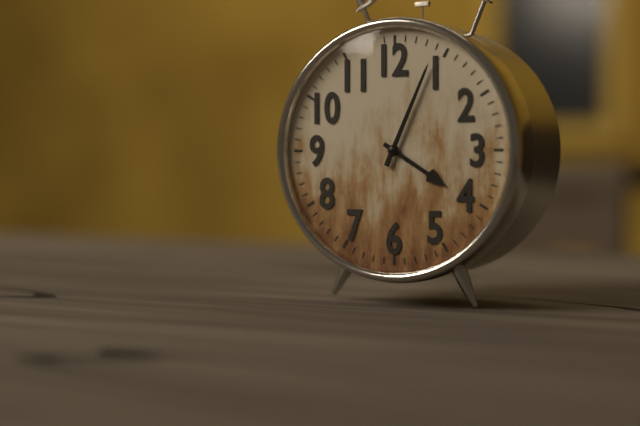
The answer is 4:04
